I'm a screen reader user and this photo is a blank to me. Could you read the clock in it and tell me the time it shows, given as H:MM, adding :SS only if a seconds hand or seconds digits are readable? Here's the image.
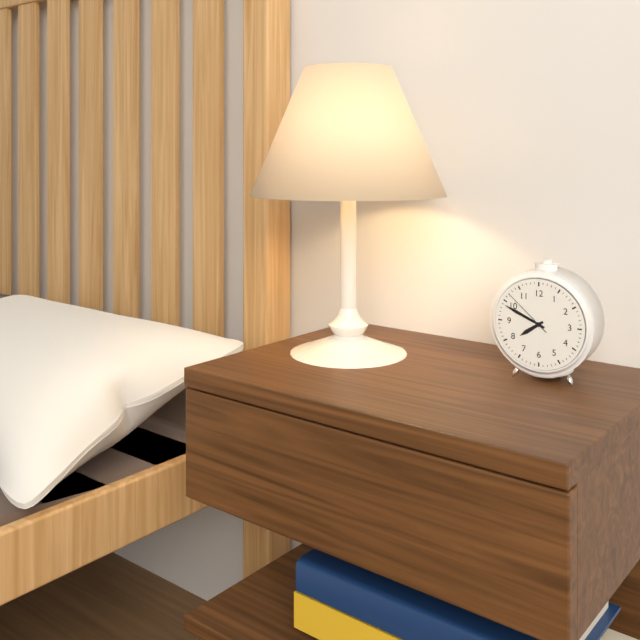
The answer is 7:49:52
